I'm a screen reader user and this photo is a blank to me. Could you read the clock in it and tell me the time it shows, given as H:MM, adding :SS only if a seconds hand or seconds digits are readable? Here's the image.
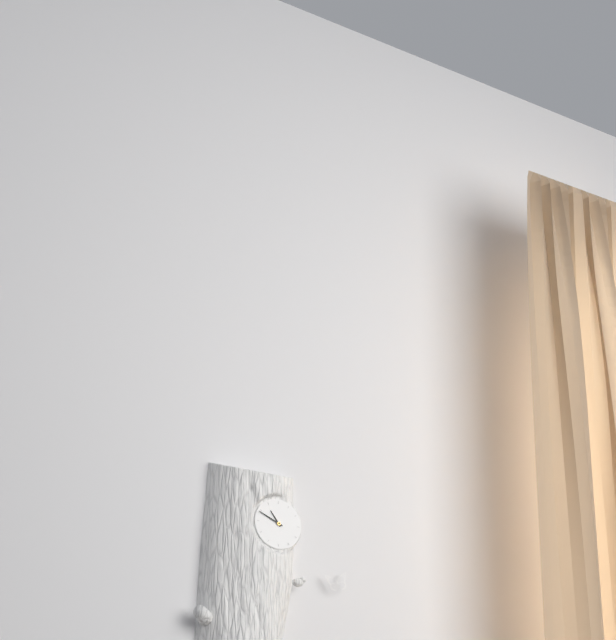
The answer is 10:49
